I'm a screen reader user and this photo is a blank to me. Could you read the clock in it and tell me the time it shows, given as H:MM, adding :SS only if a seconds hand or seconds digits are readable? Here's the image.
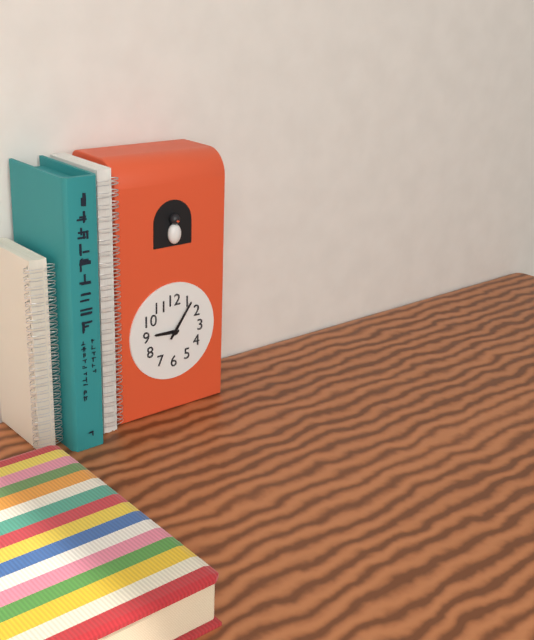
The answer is 9:06
